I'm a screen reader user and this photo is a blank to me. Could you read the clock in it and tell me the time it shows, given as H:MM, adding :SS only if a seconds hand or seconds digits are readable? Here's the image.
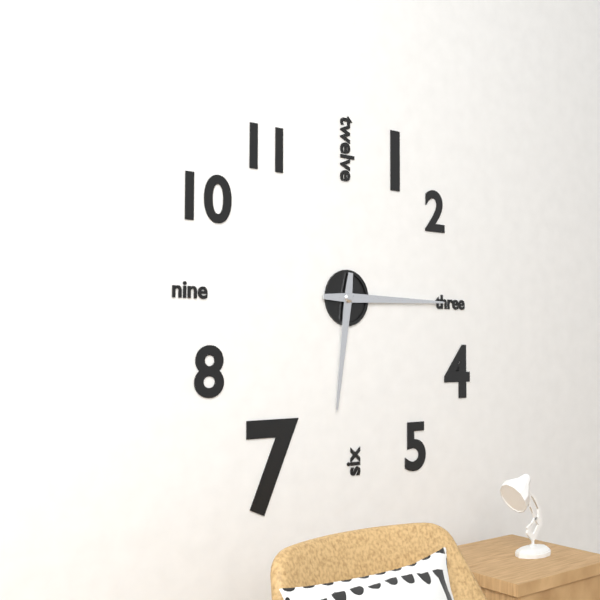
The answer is 6:15
